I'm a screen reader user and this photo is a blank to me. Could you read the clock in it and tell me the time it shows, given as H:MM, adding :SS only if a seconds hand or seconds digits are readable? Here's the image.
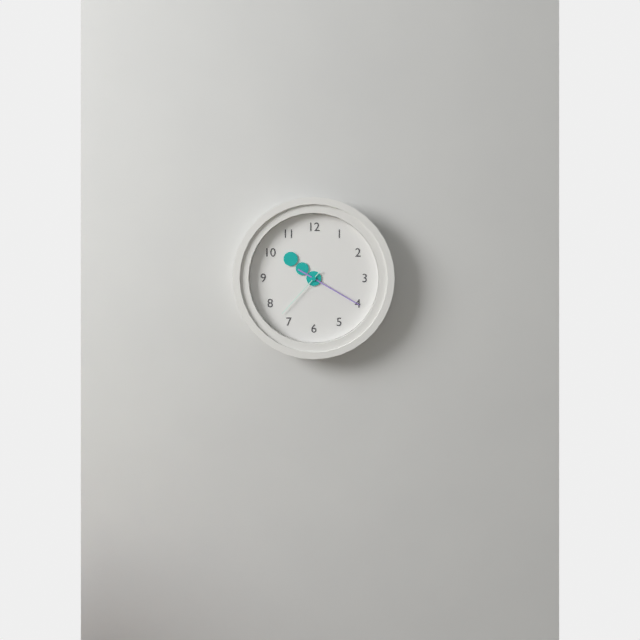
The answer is 10:20:37
